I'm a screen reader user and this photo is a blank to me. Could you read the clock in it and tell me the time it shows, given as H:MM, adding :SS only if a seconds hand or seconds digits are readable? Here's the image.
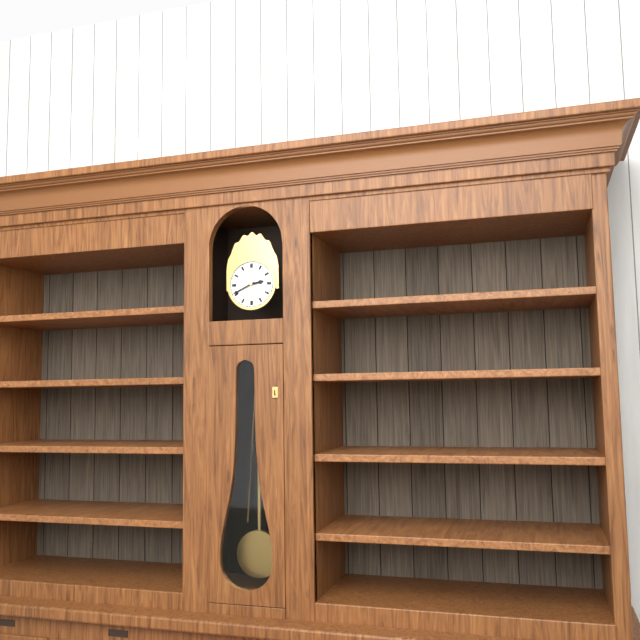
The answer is 2:41
